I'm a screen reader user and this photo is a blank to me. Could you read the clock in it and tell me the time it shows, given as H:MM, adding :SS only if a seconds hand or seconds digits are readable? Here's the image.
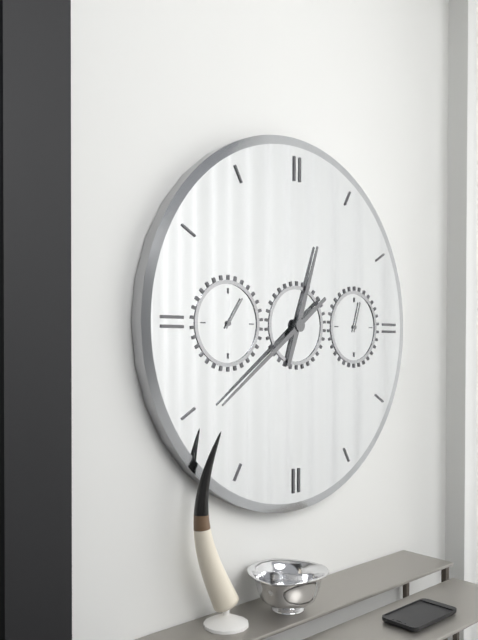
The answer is 12:39
